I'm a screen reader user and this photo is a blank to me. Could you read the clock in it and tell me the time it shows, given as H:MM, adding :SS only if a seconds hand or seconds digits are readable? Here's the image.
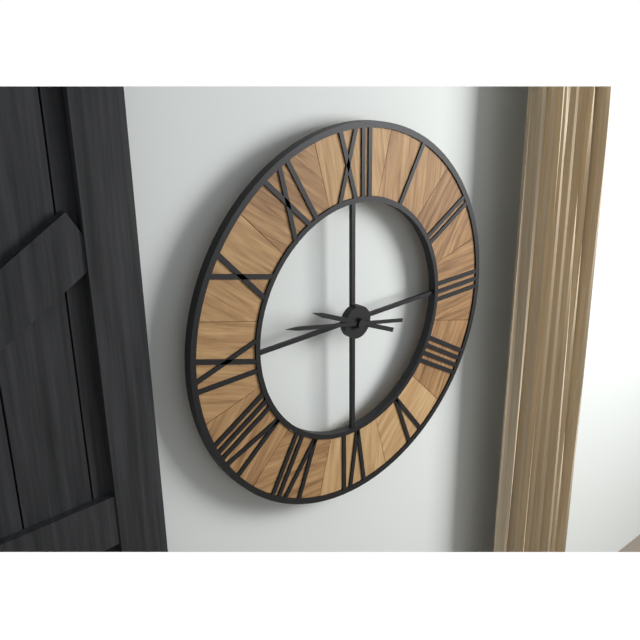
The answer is 9:47
